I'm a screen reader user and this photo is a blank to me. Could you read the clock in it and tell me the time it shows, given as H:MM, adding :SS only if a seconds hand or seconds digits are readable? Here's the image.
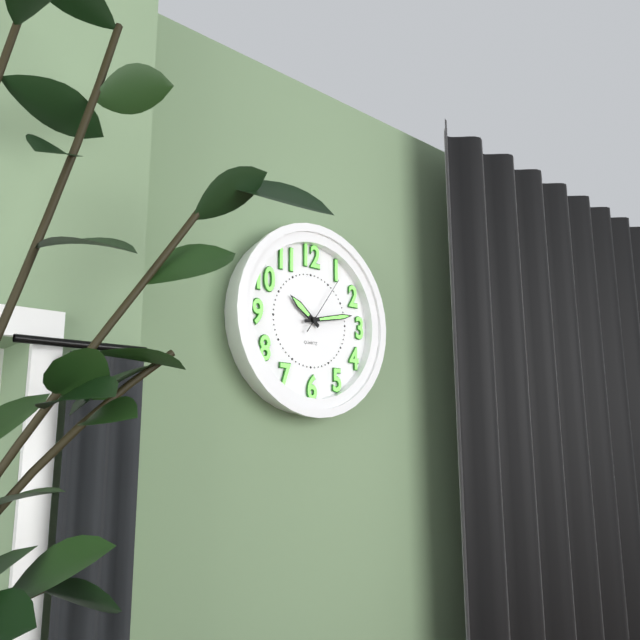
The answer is 10:13:06
